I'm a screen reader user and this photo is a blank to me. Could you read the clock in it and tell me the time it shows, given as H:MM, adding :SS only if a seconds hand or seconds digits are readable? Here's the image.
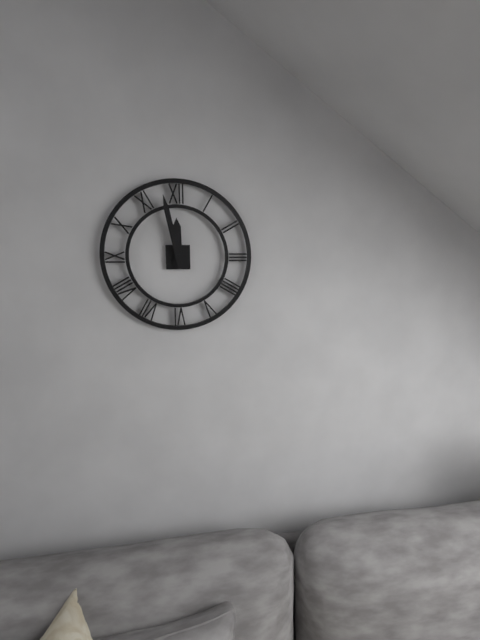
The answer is 11:58
